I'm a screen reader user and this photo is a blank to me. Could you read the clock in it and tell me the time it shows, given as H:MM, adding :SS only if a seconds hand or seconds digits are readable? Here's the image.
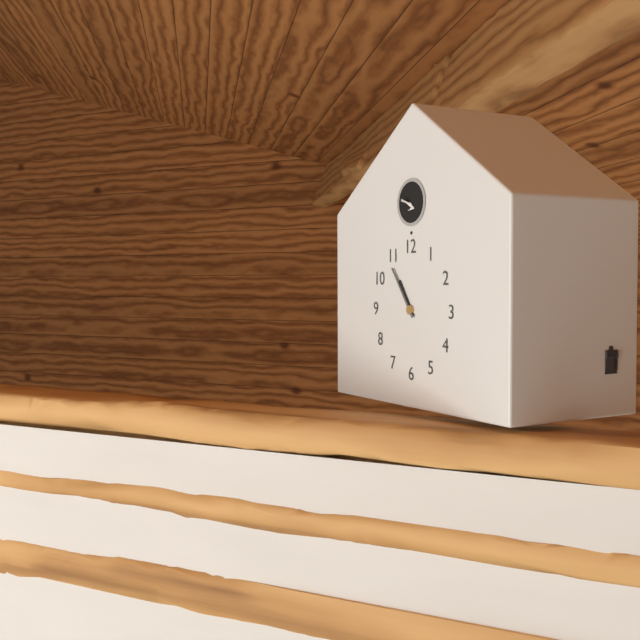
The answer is 10:54
